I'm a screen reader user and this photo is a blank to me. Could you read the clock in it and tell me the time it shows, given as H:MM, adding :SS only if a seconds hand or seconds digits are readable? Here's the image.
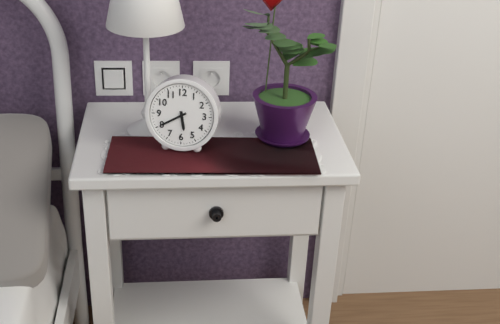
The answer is 5:40
